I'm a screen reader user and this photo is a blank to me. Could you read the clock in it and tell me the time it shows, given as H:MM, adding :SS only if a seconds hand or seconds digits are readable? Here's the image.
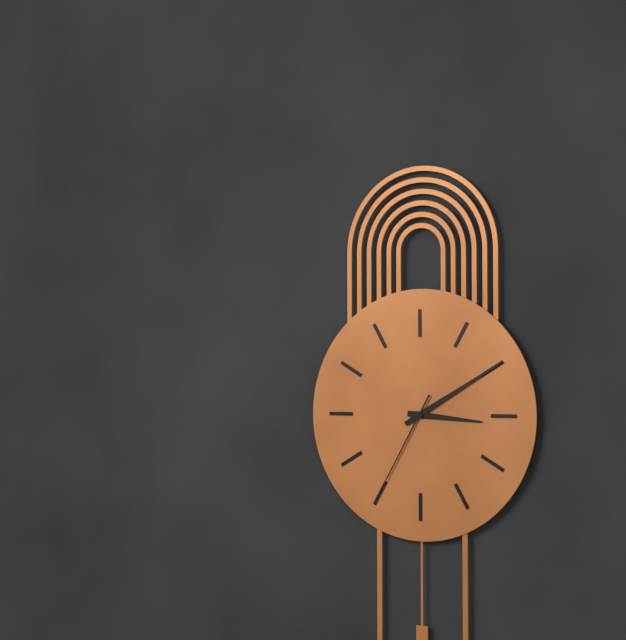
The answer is 3:10:35
